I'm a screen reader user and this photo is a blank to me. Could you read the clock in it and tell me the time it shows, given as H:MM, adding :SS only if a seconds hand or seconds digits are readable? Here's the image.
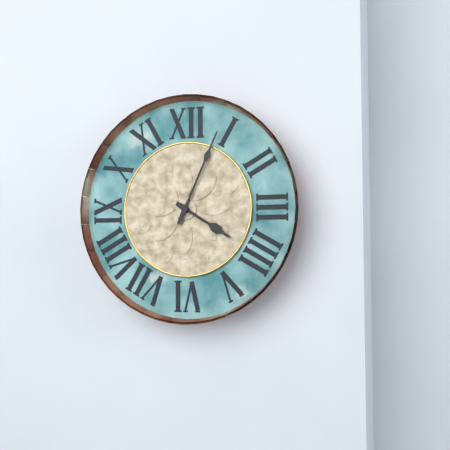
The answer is 4:04
